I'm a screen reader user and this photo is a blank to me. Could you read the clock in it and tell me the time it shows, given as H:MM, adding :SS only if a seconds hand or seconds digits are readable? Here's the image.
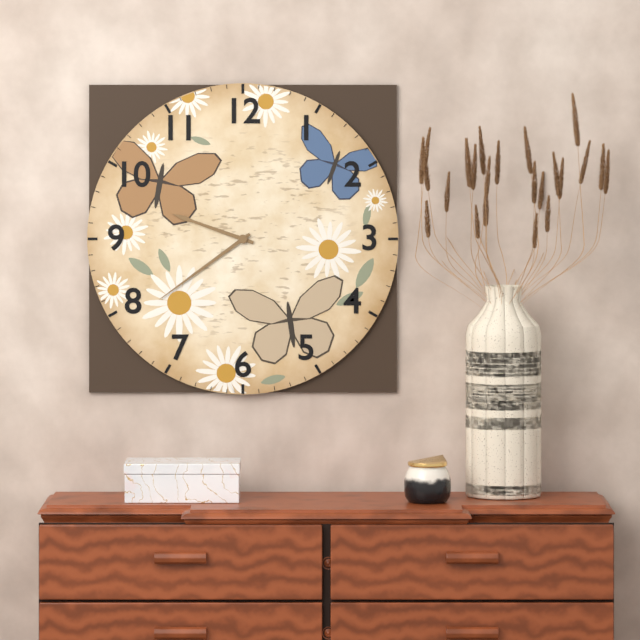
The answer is 9:39
